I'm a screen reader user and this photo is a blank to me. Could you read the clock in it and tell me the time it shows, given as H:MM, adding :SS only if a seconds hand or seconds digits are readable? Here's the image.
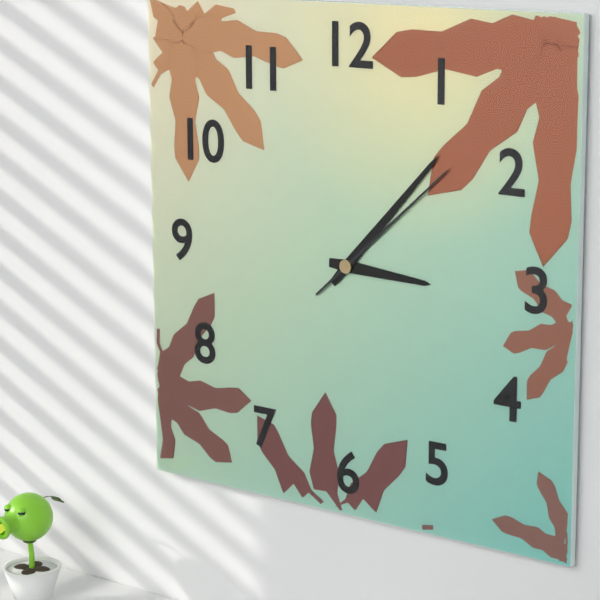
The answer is 3:07:08
